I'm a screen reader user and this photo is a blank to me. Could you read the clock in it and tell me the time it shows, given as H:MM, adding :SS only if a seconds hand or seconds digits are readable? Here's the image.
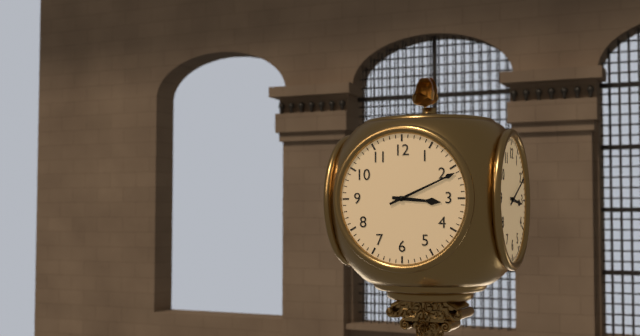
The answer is 3:11
